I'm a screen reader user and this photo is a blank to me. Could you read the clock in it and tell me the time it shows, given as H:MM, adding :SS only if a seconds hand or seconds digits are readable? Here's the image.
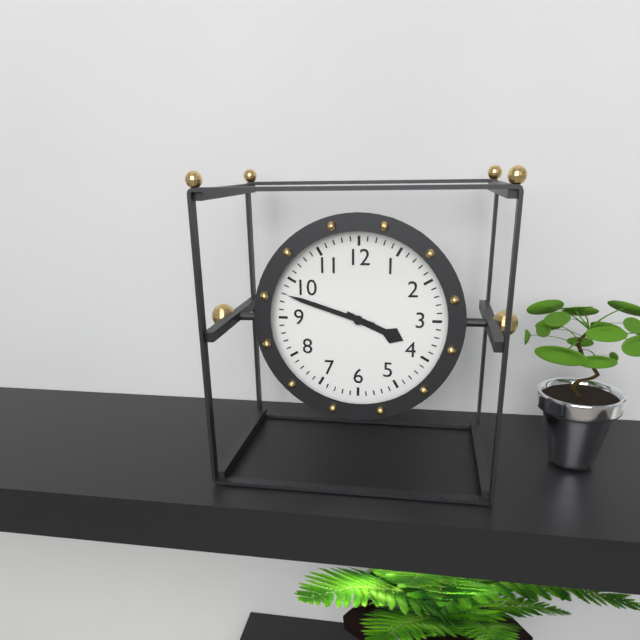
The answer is 3:48
